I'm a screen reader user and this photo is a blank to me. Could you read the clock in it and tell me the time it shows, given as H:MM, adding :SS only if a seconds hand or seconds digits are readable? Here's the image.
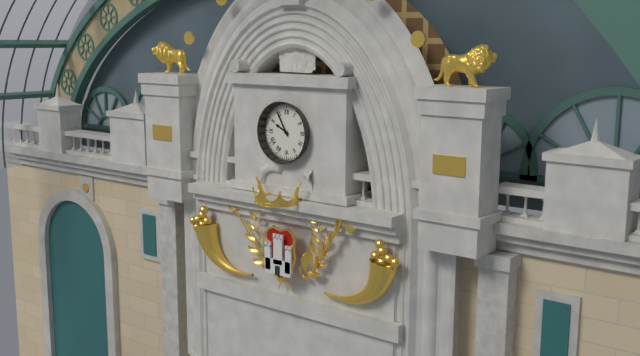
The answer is 9:55
